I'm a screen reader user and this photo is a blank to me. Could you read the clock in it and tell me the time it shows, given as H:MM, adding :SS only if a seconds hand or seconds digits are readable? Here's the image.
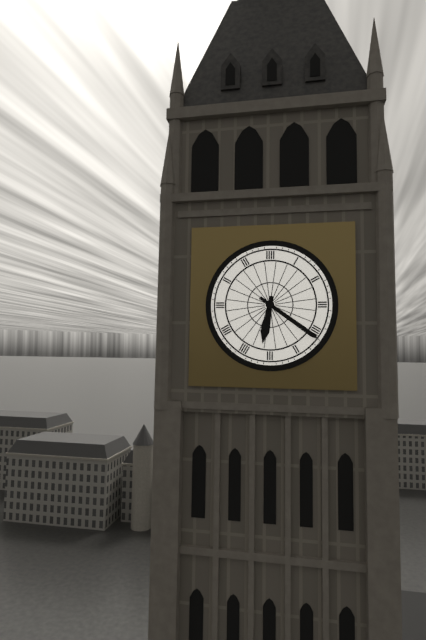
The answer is 6:21
